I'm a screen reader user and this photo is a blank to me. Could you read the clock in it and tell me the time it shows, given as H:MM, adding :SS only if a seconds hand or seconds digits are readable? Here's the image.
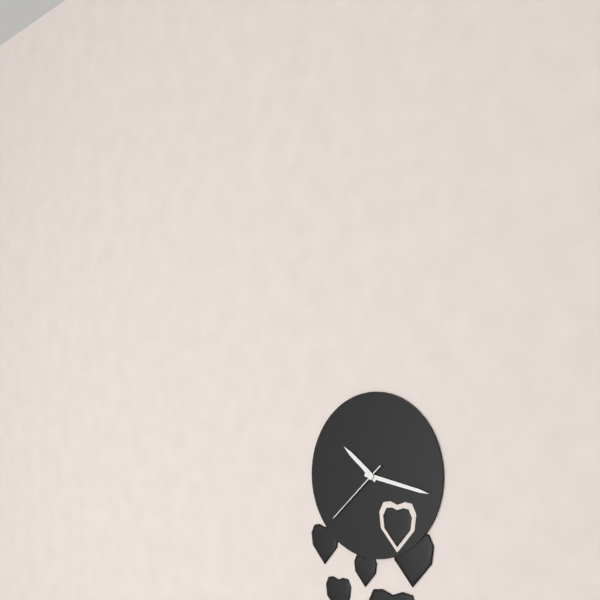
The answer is 10:17:38
